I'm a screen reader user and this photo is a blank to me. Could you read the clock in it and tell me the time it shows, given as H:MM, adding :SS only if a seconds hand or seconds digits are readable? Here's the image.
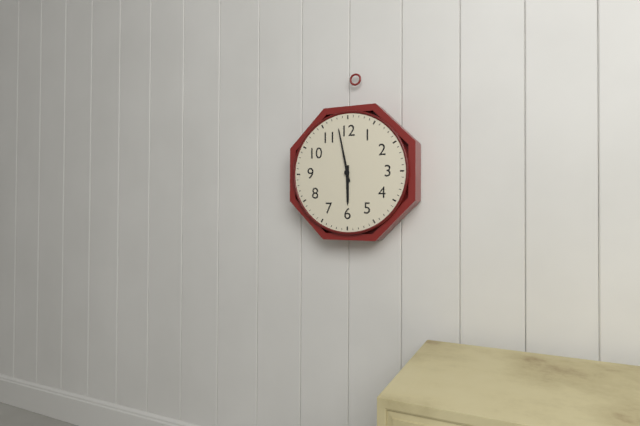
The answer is 5:58
